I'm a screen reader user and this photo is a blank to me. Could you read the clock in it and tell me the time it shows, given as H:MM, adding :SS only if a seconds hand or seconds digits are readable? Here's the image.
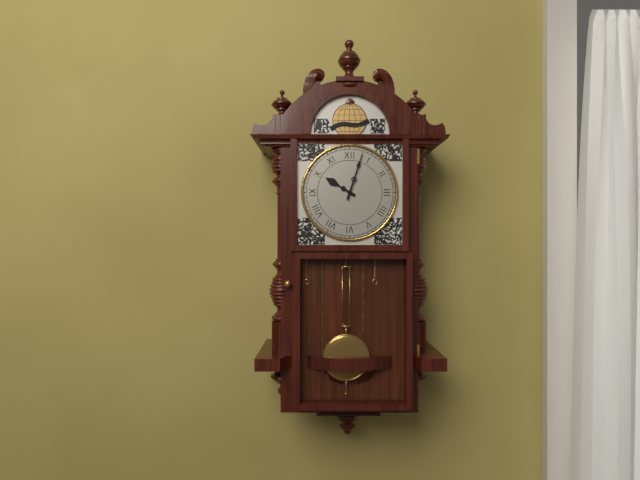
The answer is 10:03
